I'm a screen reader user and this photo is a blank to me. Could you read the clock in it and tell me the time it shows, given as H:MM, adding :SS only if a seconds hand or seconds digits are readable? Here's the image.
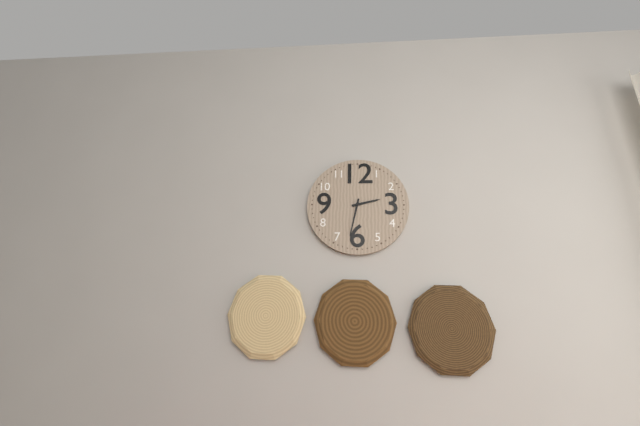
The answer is 2:32
